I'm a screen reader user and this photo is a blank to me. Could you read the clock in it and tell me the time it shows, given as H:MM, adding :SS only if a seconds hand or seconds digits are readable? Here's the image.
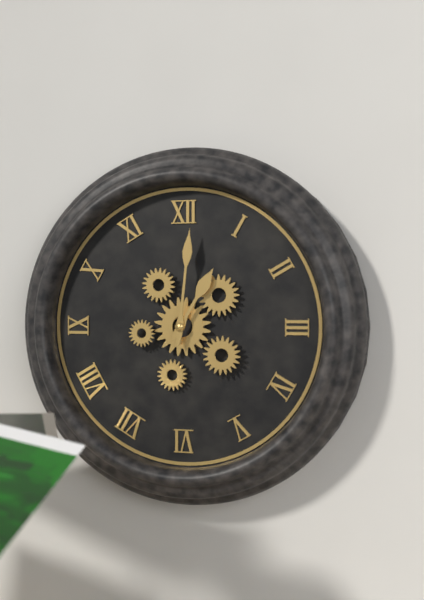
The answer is 1:01
